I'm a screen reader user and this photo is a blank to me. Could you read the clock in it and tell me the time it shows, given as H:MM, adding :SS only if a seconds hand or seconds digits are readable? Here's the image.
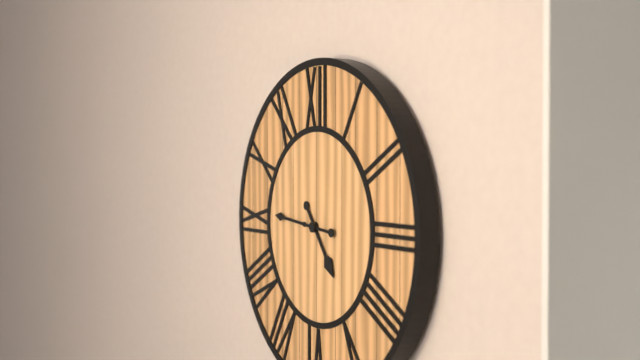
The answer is 4:46
